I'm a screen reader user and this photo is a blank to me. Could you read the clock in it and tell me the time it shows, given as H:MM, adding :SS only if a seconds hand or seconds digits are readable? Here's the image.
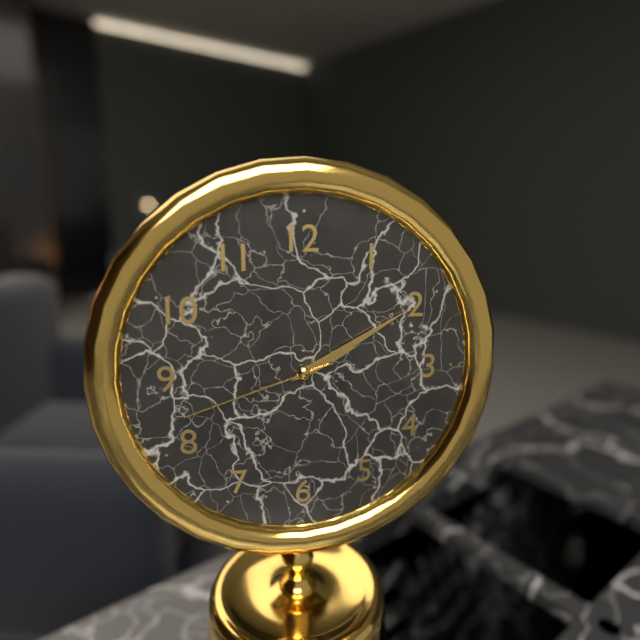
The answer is 2:10:42
